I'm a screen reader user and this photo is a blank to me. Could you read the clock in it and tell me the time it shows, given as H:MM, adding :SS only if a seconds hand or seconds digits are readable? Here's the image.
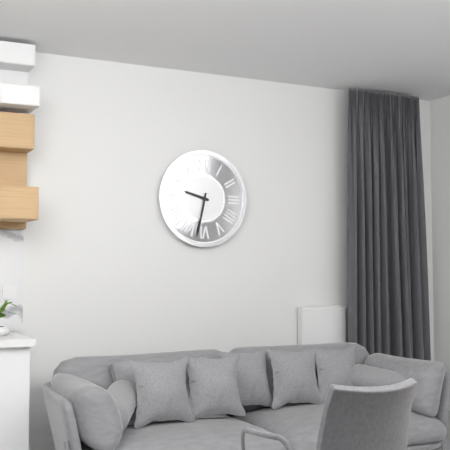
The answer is 9:32
